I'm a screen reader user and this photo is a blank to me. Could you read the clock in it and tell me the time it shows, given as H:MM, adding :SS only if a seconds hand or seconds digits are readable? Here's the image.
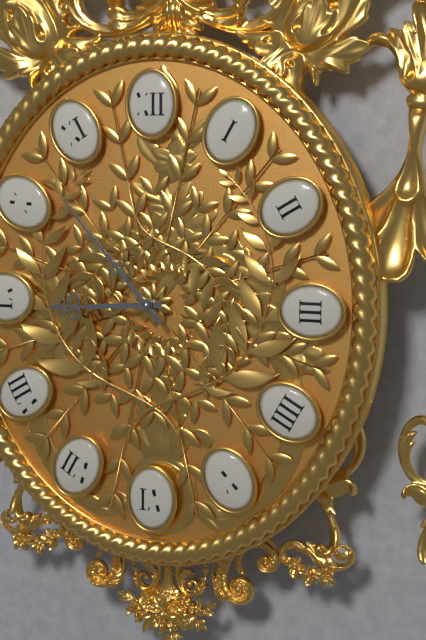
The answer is 8:53
